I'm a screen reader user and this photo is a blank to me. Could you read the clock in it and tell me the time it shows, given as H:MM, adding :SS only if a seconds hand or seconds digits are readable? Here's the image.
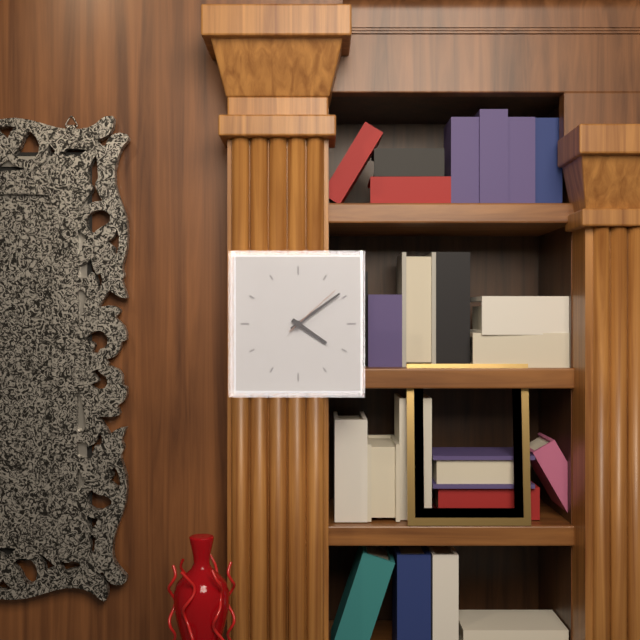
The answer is 4:09:08
